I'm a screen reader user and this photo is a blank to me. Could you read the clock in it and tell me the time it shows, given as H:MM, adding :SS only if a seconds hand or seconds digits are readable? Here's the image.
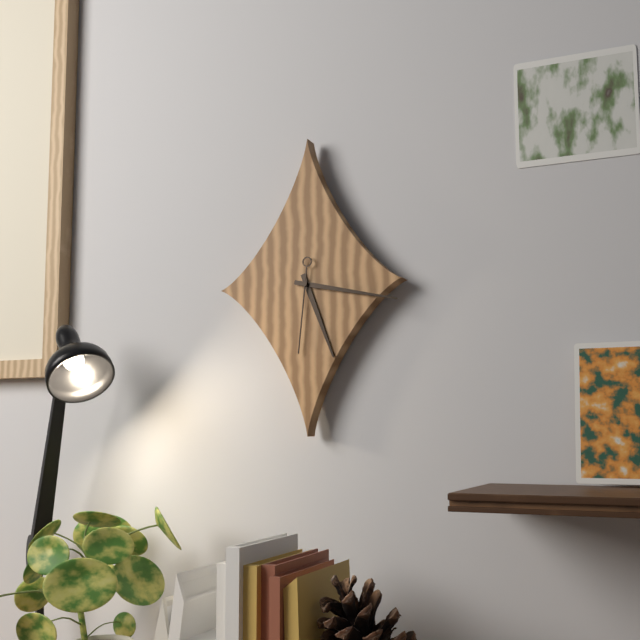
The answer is 5:17:31
